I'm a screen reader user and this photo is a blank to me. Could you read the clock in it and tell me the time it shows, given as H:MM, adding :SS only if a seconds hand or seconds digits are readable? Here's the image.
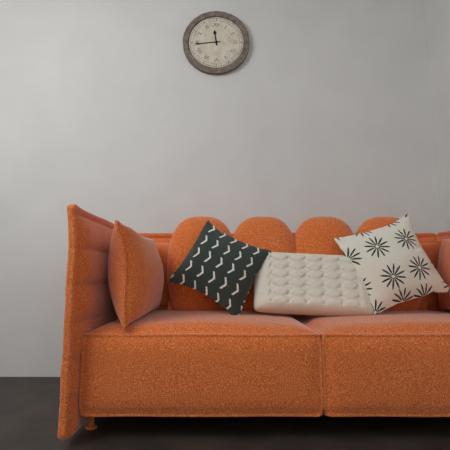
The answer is 11:44
